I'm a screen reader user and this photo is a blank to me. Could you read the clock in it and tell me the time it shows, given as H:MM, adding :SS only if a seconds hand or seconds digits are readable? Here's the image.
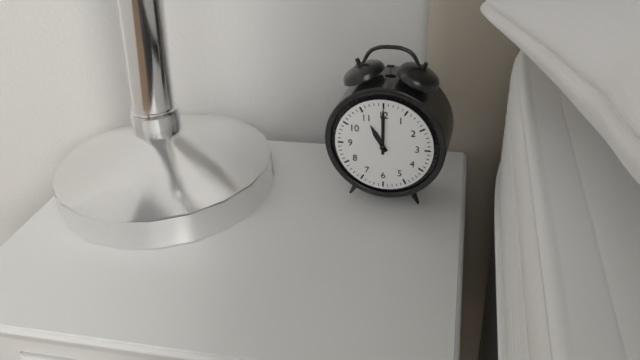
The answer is 11:00
